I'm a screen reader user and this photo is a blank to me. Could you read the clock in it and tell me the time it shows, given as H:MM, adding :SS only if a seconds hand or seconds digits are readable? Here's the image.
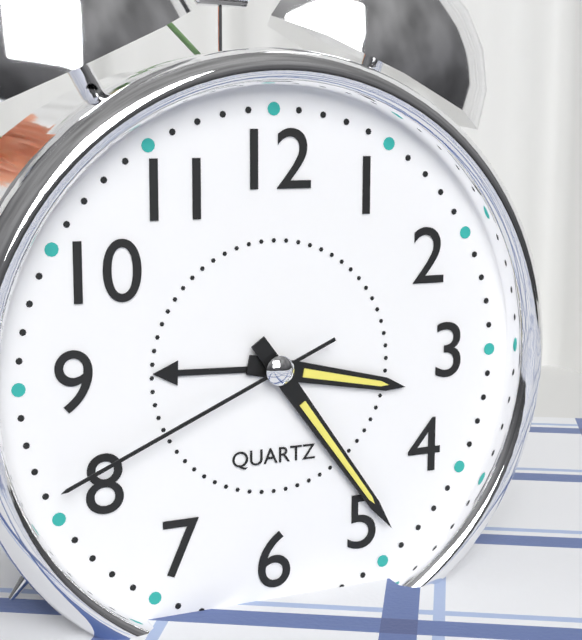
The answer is 3:24:41
